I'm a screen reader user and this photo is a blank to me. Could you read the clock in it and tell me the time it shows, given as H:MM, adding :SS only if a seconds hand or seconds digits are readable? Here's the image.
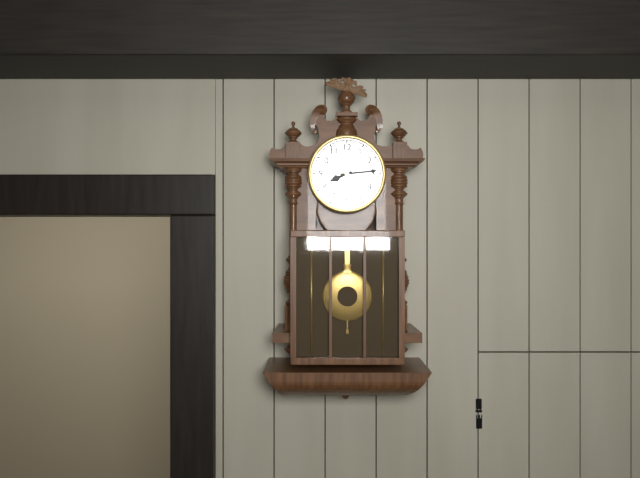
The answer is 8:14
